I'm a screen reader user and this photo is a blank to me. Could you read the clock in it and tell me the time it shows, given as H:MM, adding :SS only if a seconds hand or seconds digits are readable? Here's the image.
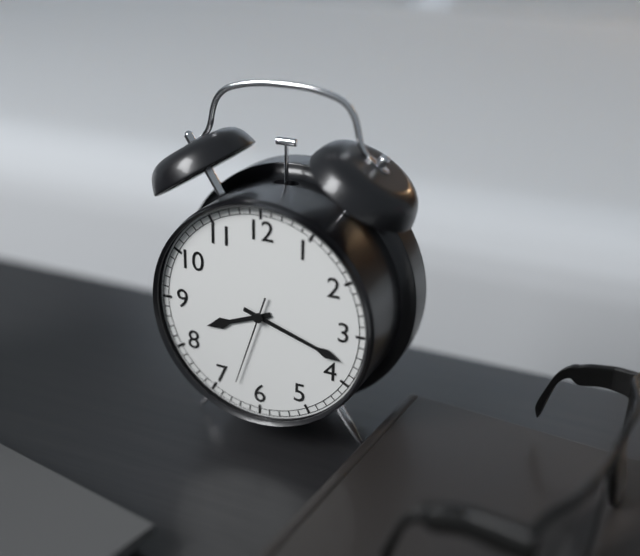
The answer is 8:18:33
